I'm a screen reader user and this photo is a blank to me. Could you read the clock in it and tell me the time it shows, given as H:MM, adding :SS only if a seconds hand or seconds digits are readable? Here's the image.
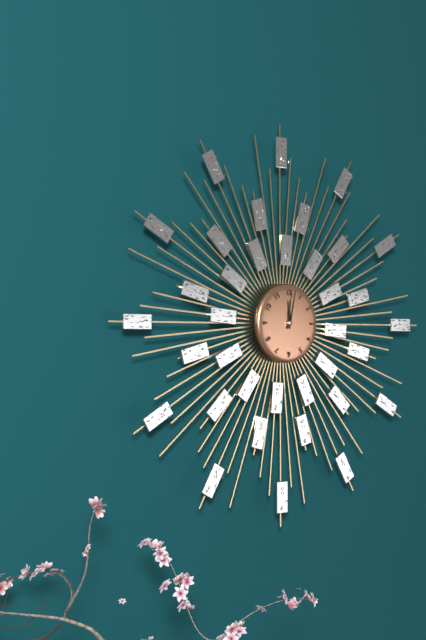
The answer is 12:02
